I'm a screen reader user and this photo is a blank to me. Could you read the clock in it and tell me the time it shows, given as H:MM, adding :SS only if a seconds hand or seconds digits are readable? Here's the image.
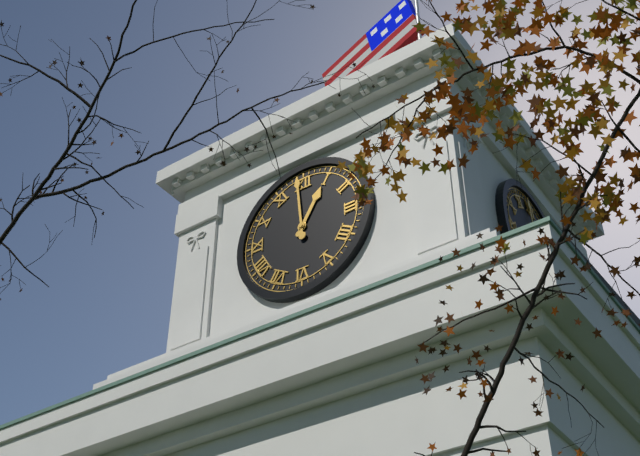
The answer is 12:59
